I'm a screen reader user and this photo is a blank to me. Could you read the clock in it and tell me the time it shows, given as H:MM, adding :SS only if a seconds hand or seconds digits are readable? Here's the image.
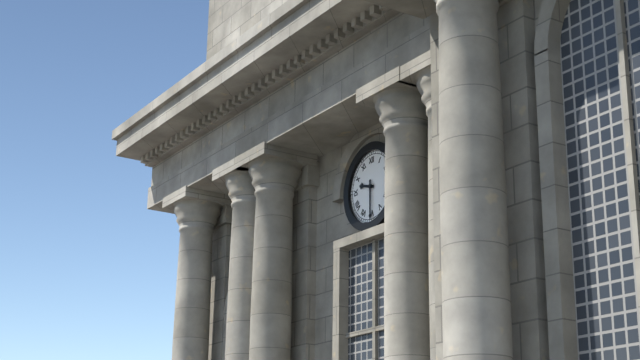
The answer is 9:30
